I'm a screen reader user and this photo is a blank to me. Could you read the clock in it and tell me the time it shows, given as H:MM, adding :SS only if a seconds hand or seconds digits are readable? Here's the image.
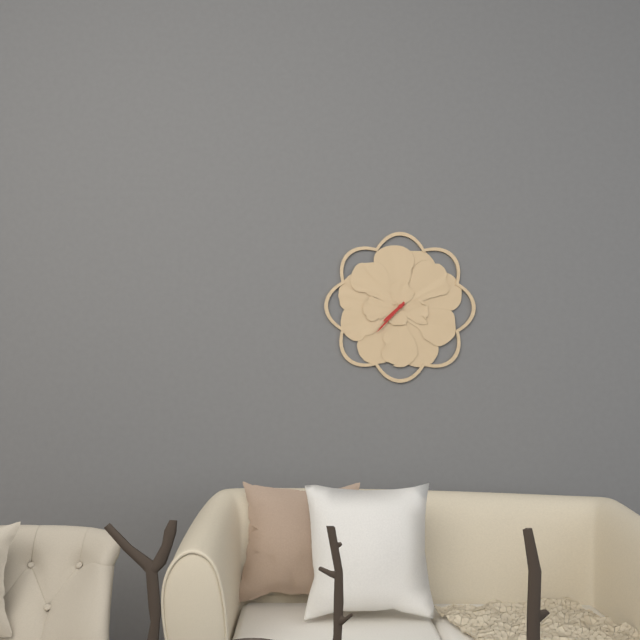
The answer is 7:37
